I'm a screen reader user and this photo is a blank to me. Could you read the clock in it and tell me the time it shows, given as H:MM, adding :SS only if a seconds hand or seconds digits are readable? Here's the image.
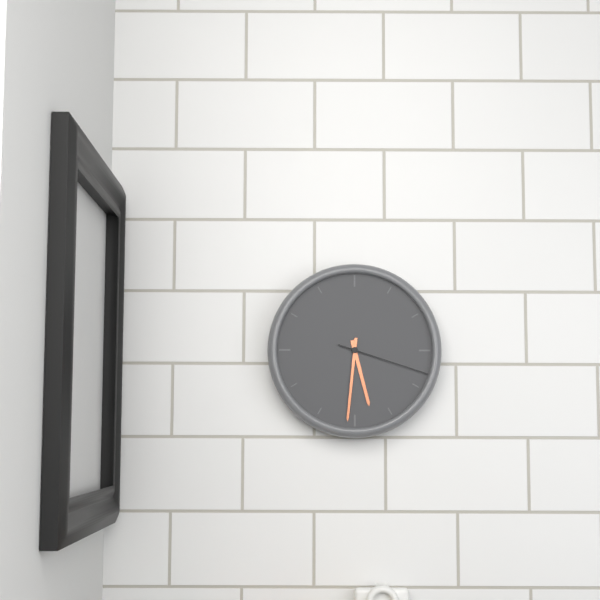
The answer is 5:31:18
